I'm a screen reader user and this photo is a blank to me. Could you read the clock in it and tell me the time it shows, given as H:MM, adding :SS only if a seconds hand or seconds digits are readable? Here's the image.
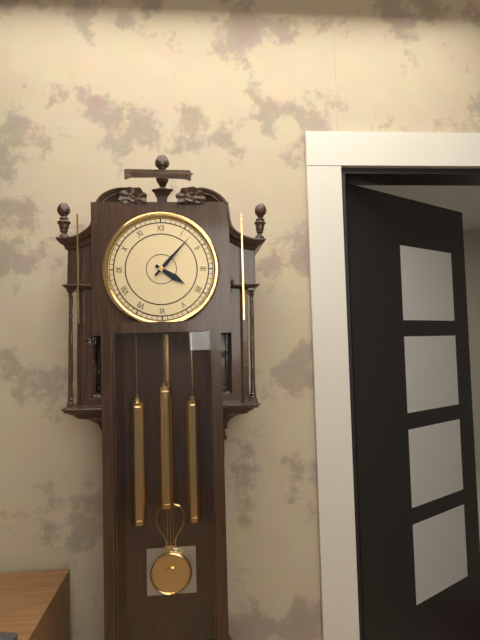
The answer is 4:07
